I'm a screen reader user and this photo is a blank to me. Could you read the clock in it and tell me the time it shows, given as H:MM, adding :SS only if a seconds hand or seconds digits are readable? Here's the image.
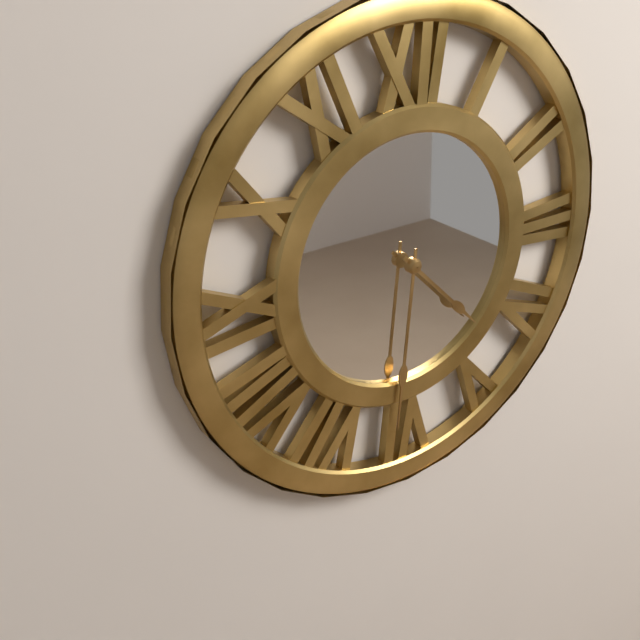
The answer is 4:31
